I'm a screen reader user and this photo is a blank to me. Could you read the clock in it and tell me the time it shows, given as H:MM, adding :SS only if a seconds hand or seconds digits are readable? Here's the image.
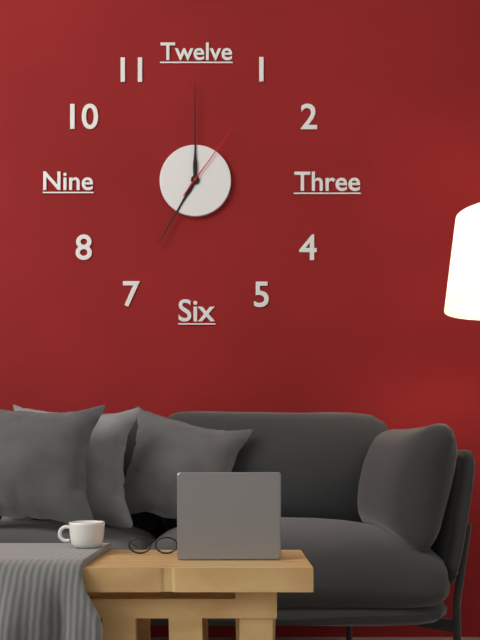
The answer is 7:00:06
